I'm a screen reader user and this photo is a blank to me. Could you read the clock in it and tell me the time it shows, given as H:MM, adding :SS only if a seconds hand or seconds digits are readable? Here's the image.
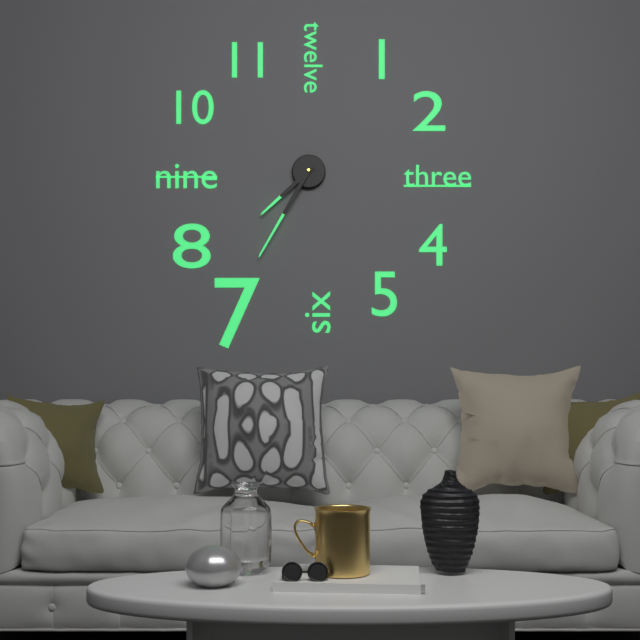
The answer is 7:35
